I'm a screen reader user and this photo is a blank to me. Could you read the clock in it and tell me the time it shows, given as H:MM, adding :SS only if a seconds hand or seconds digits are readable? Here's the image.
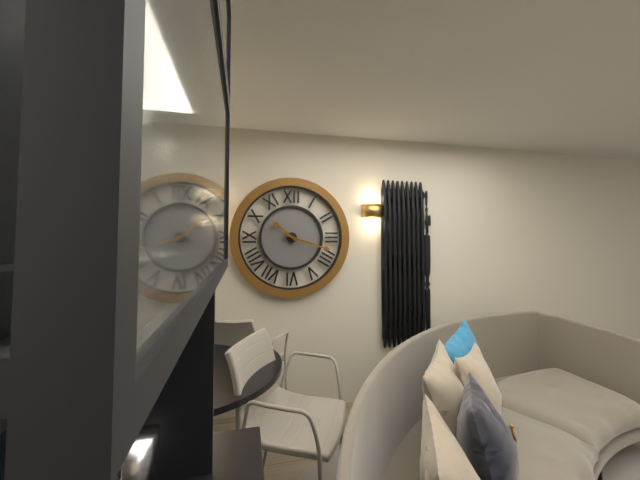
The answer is 10:18
